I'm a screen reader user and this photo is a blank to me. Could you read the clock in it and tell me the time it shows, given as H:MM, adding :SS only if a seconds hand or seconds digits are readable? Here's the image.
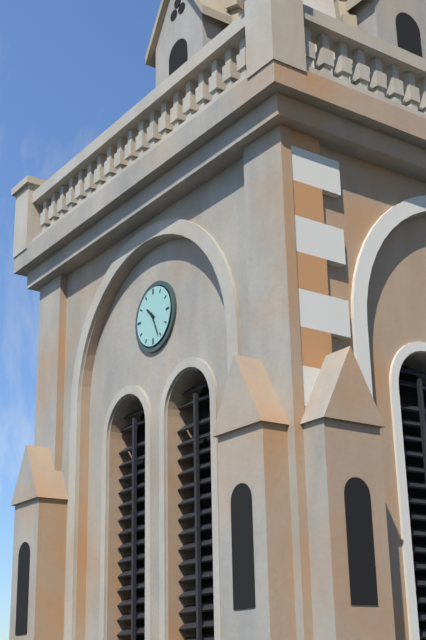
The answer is 10:26
